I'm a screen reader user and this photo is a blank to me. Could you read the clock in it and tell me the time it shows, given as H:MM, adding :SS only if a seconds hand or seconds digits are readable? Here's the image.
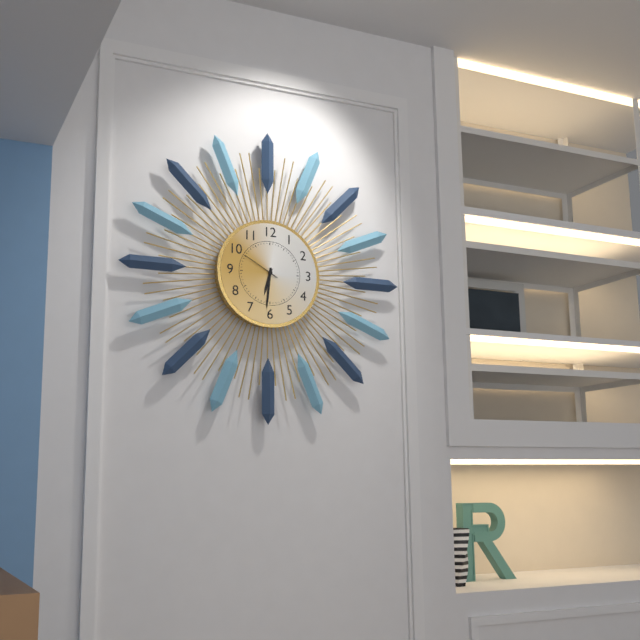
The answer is 6:31
